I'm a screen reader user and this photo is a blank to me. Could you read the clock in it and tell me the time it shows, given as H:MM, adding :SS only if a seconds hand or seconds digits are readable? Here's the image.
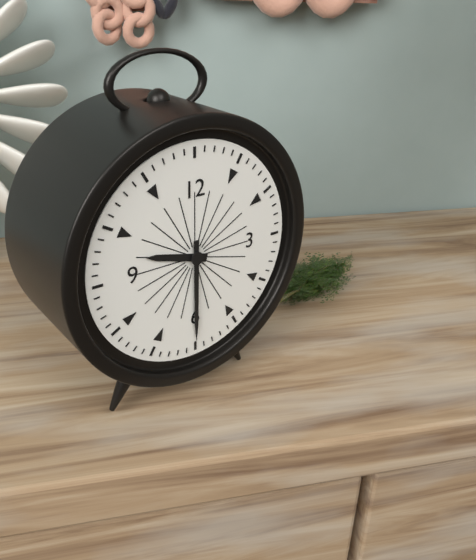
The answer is 9:30
